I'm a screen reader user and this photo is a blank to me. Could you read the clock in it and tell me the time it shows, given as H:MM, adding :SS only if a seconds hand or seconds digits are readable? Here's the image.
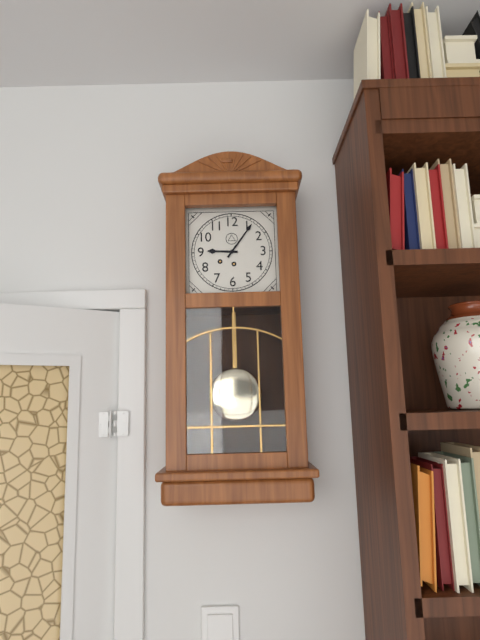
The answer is 9:06
